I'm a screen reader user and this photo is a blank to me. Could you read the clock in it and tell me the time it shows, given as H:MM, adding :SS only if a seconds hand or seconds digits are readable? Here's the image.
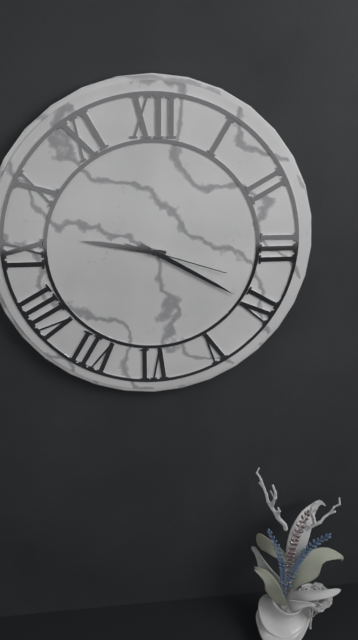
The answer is 9:20:18
